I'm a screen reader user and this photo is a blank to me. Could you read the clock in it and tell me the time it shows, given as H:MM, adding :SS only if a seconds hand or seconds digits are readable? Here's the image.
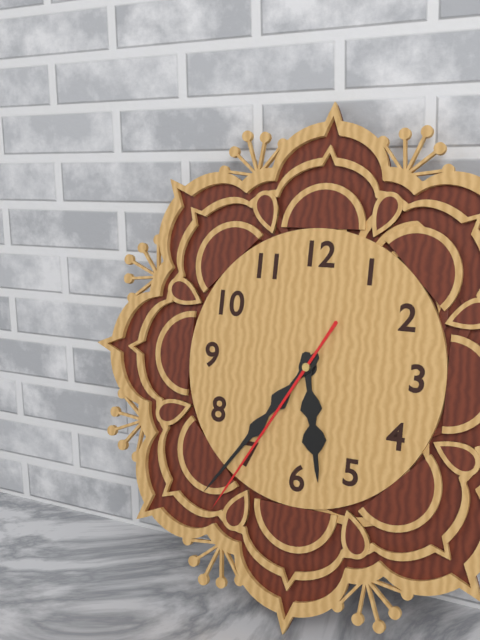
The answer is 5:36:35
